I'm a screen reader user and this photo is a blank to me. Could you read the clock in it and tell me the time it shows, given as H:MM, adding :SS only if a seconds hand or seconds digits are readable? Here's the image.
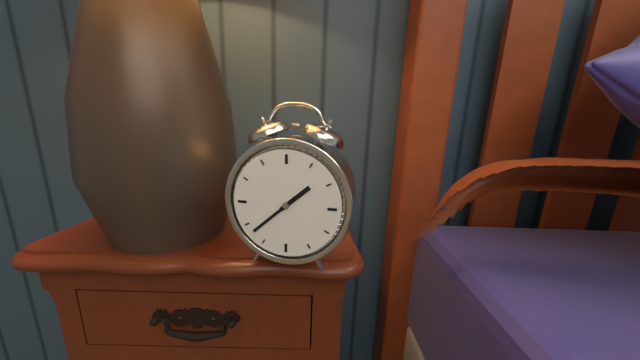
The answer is 1:38
